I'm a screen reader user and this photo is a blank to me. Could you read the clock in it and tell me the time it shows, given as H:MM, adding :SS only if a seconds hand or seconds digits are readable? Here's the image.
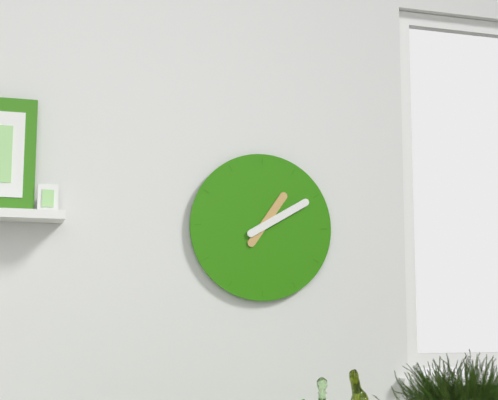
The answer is 1:10
